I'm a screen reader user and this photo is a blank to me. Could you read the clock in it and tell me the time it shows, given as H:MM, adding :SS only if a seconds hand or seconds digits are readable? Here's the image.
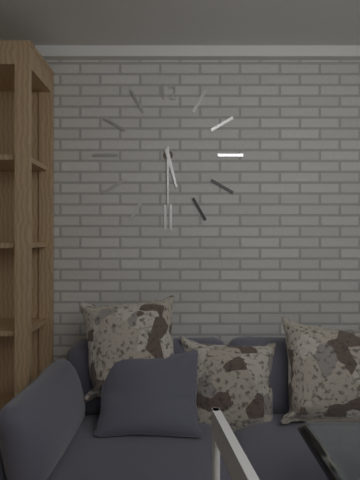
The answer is 5:30
